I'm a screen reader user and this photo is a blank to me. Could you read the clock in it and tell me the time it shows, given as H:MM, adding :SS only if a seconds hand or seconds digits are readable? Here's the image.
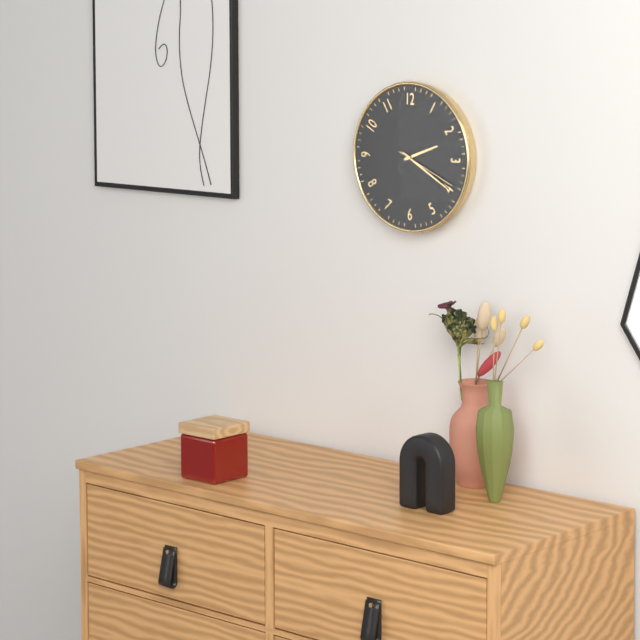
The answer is 2:20:19
